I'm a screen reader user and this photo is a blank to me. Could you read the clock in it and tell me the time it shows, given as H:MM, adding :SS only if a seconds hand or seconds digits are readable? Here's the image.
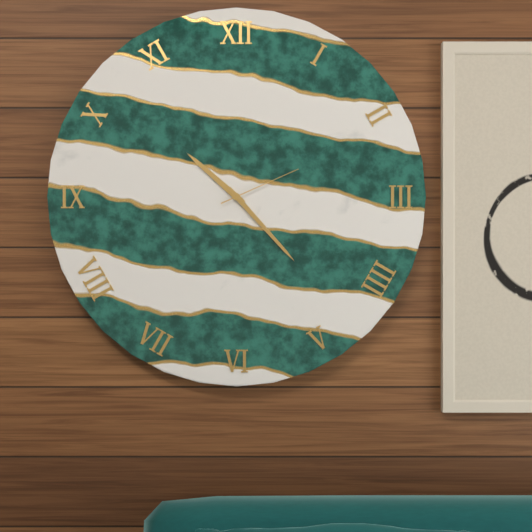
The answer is 10:23:11
